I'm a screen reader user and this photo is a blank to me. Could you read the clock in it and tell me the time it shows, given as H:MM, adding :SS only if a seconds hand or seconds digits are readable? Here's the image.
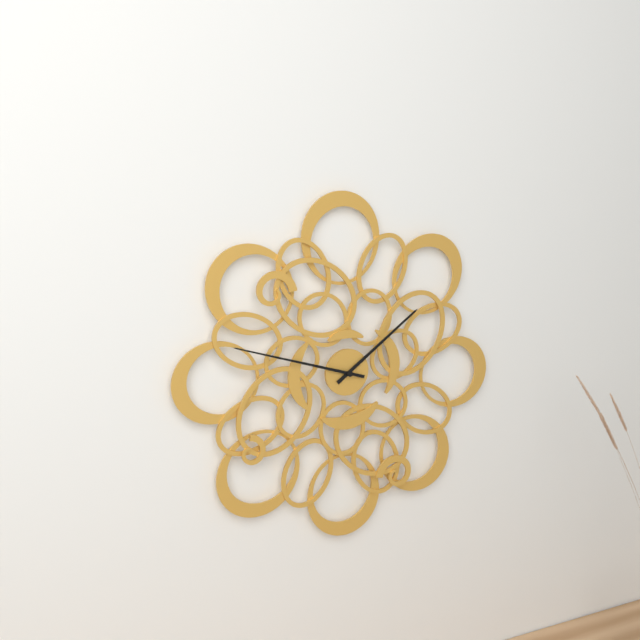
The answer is 1:48
